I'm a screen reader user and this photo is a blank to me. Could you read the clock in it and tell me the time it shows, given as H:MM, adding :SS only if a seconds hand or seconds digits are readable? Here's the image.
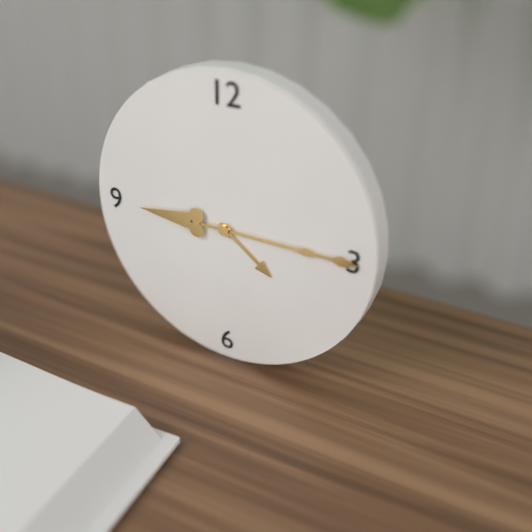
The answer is 4:15
